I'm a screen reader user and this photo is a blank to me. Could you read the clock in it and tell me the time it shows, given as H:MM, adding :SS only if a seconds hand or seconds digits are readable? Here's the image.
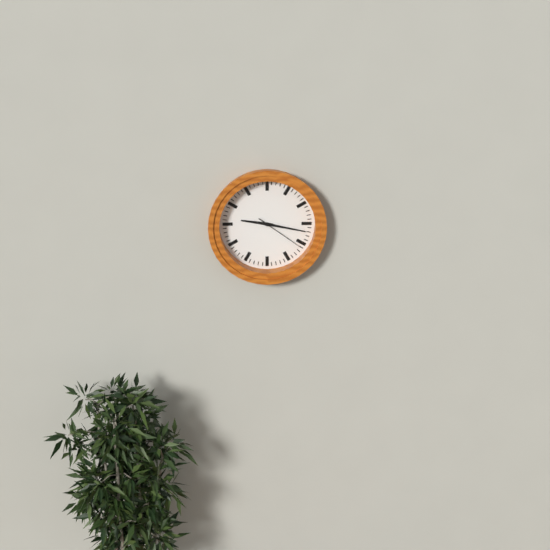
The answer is 9:17:21
